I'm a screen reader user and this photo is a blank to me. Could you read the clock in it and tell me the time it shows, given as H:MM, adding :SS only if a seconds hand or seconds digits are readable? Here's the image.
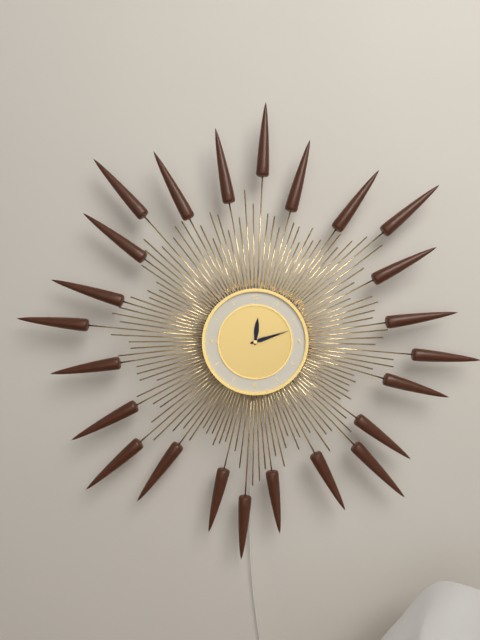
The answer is 12:12
